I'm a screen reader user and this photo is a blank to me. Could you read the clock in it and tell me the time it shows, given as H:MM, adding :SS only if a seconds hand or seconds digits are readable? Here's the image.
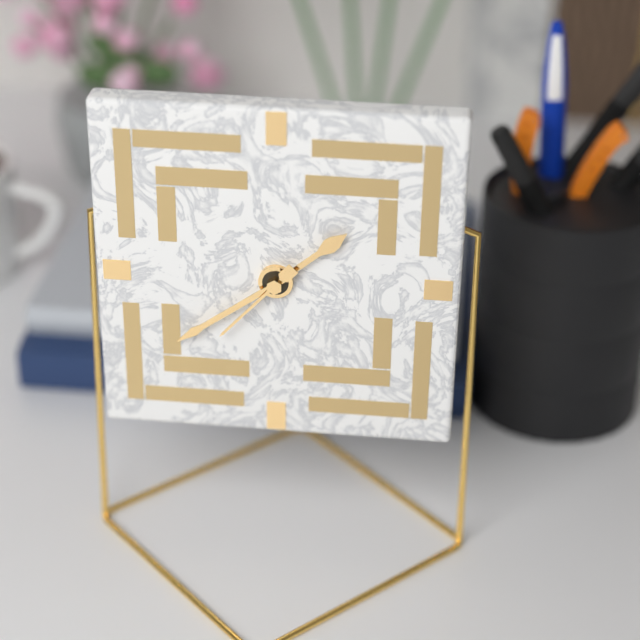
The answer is 1:39:37
